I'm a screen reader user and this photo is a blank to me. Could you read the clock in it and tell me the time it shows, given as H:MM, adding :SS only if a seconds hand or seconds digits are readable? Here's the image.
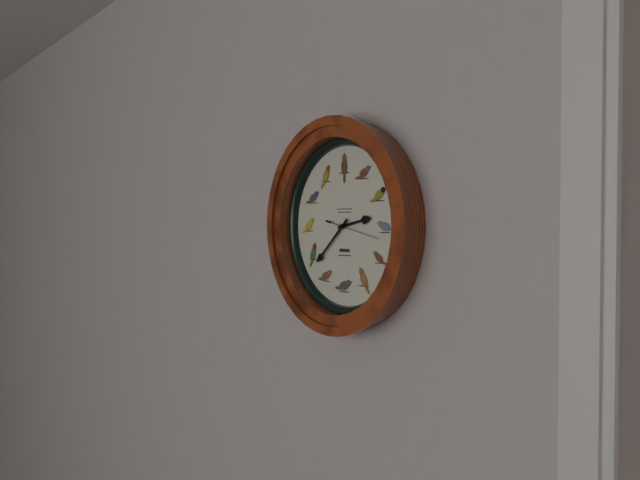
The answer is 2:38
